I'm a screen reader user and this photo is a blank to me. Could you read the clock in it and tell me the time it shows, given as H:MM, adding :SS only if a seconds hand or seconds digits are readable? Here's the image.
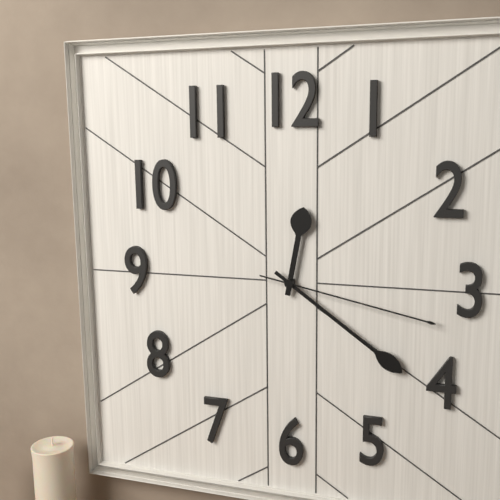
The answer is 12:21:17
